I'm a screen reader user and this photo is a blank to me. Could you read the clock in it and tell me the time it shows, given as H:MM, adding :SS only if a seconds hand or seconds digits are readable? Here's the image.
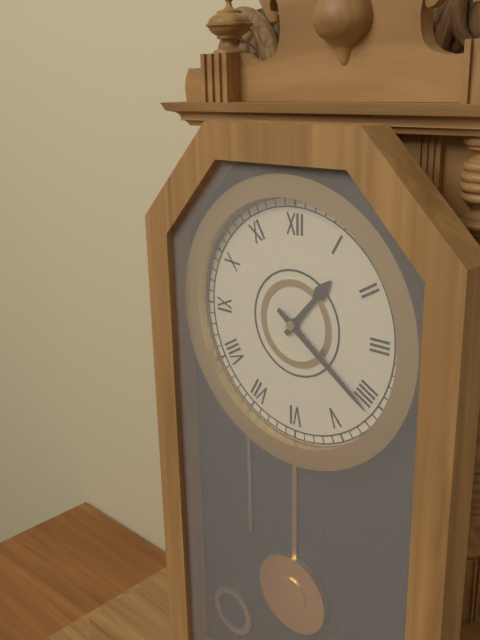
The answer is 1:21
